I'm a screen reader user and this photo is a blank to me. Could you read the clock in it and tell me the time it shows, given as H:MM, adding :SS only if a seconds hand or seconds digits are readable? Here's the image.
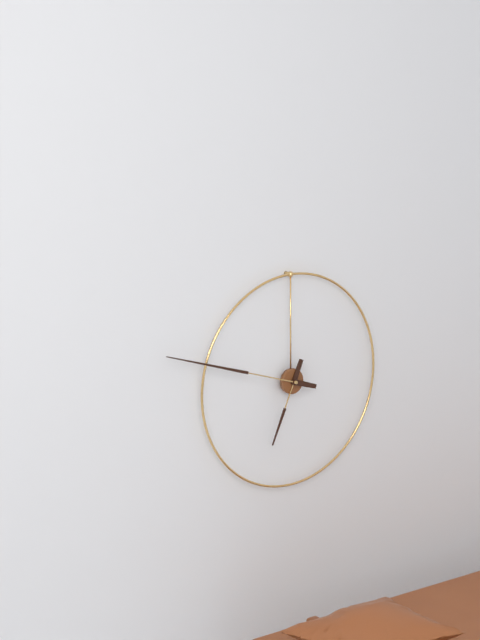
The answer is 6:48
